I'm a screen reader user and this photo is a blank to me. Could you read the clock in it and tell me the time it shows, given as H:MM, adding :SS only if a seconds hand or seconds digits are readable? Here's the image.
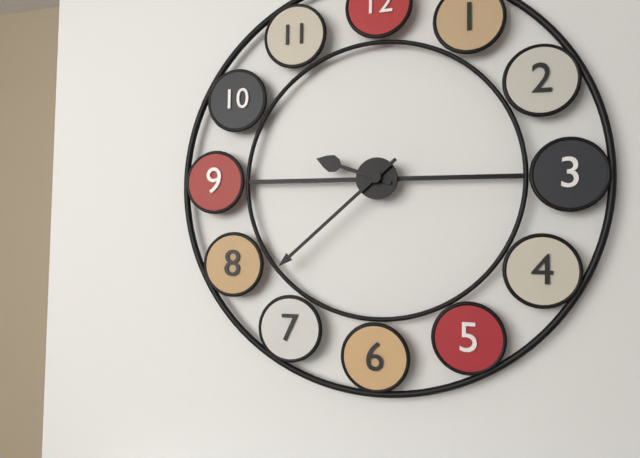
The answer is 9:38
